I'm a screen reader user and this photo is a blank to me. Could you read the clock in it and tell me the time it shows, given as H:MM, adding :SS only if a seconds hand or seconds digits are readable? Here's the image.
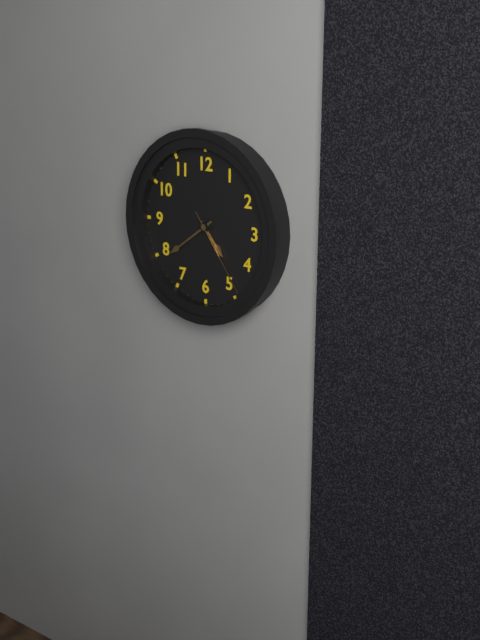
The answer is 4:39:24
